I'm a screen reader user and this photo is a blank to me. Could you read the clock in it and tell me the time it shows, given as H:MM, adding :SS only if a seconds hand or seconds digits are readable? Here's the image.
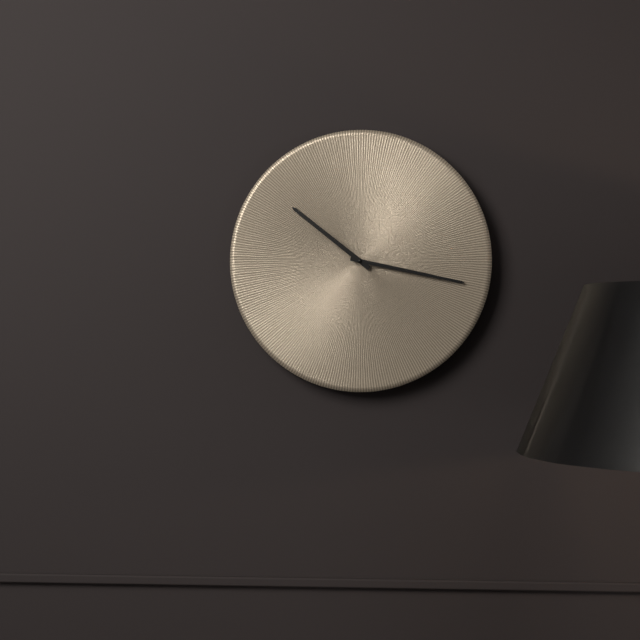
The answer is 10:17
